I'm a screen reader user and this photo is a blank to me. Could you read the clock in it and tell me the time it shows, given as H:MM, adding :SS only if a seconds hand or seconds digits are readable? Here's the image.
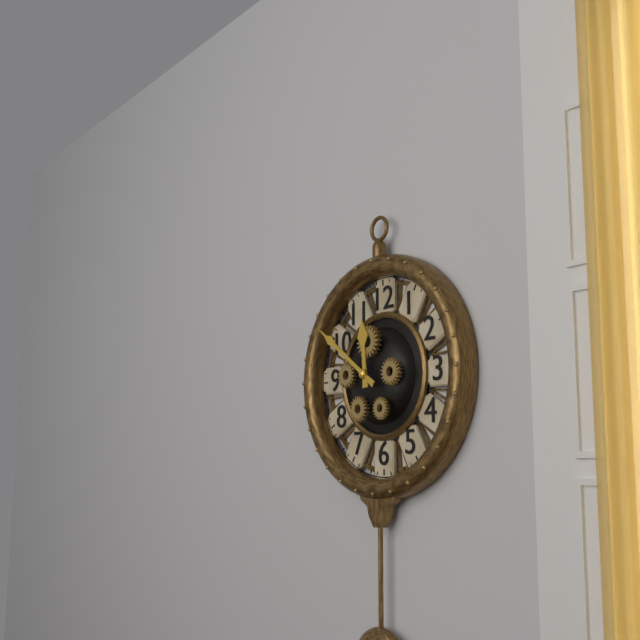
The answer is 11:51
